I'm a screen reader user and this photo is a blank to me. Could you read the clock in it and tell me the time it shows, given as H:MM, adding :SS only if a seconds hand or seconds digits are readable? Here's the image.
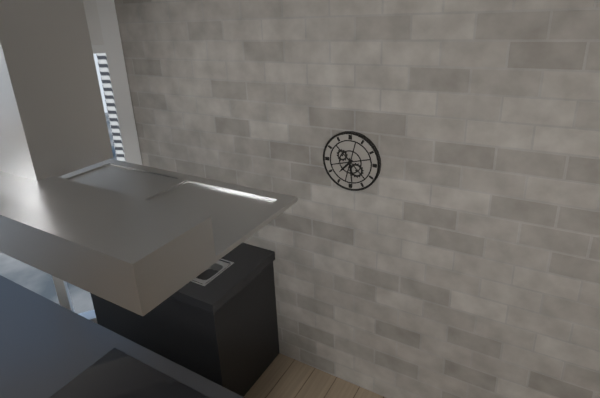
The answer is 7:29
